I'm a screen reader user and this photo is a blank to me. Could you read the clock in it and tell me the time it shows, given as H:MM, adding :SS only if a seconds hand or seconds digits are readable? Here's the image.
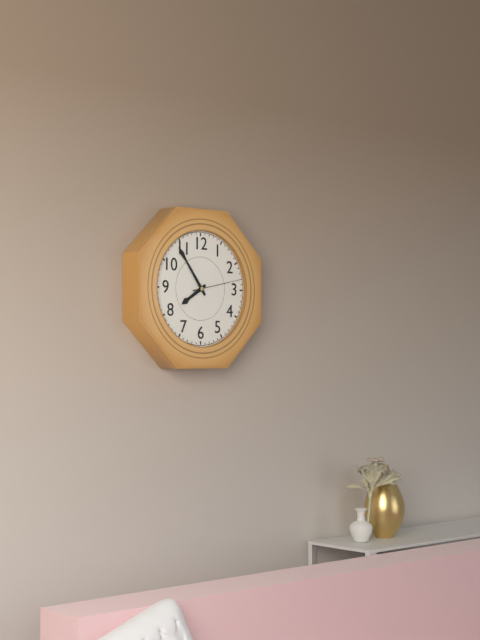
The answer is 7:54:13
